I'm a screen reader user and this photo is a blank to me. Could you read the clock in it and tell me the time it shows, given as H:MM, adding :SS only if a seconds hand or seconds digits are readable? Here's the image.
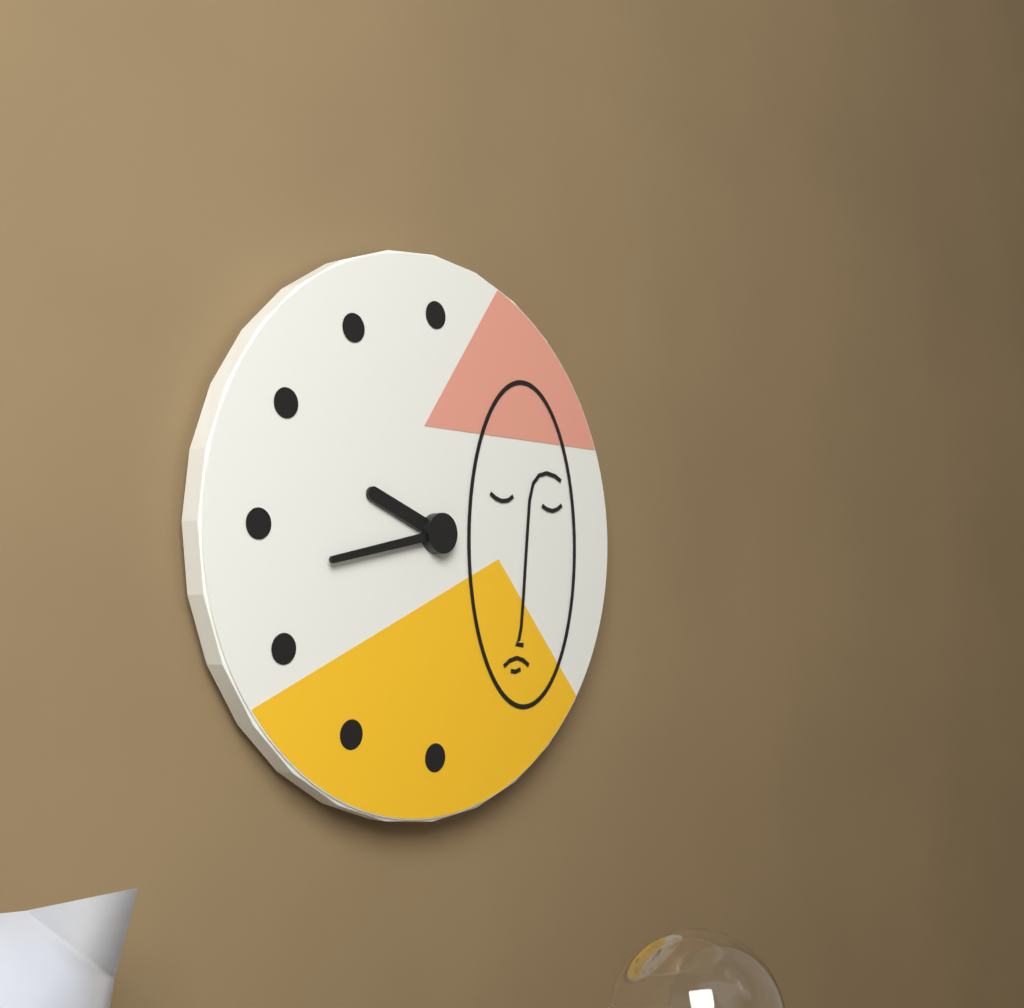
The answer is 9:43
